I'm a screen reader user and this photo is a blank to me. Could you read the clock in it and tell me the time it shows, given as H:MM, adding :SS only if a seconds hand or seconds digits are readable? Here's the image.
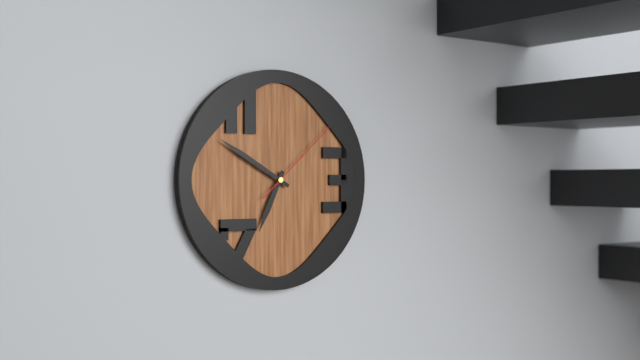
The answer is 6:50:08
